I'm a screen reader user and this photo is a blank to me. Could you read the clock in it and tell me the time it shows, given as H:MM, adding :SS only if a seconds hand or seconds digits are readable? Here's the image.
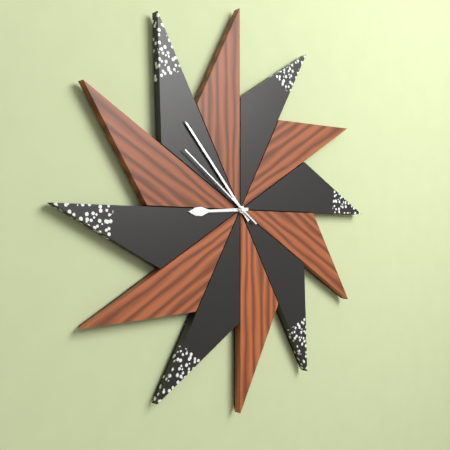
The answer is 8:53:51
